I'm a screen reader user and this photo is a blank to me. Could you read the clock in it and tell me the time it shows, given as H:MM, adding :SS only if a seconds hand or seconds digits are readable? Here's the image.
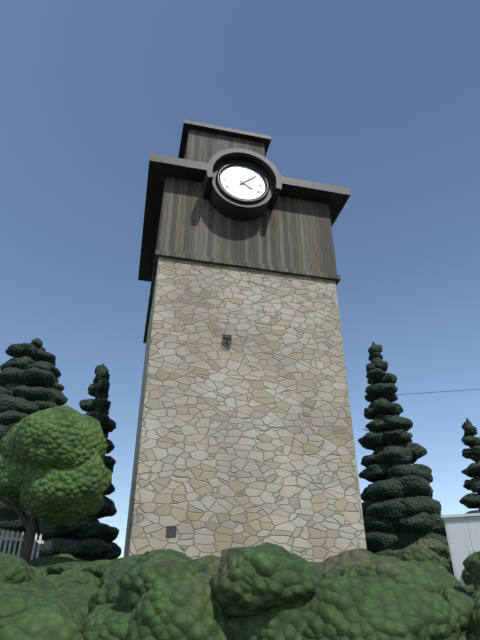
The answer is 4:08
